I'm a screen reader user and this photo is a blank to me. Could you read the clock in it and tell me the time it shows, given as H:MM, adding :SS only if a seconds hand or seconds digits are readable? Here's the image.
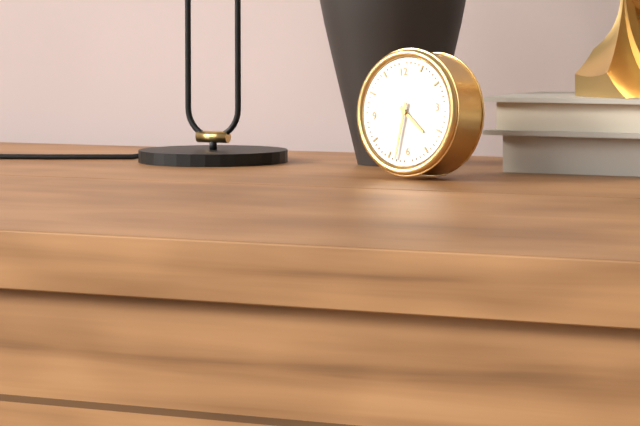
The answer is 4:33
